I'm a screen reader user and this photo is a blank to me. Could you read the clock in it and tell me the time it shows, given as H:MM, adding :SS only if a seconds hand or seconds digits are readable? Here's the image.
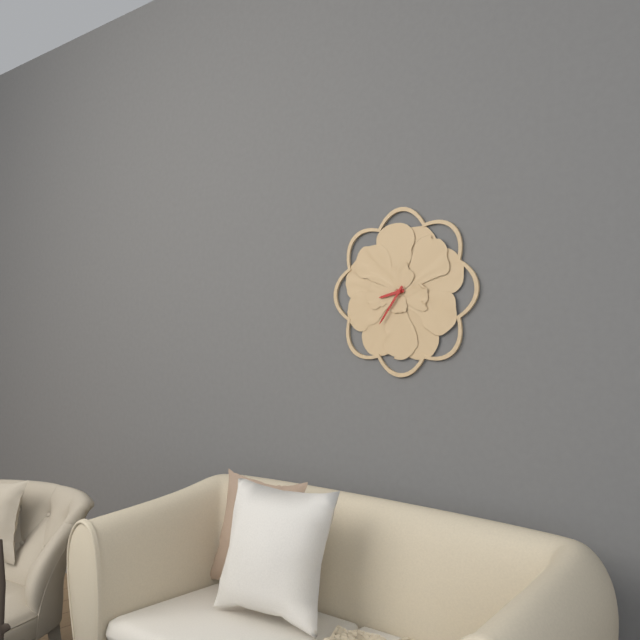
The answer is 8:36
